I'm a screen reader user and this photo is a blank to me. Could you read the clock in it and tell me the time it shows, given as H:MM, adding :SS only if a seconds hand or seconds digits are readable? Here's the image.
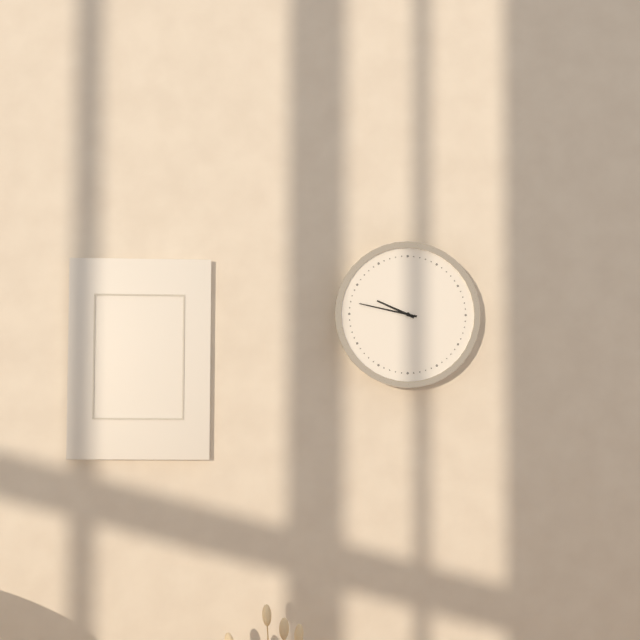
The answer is 9:47
